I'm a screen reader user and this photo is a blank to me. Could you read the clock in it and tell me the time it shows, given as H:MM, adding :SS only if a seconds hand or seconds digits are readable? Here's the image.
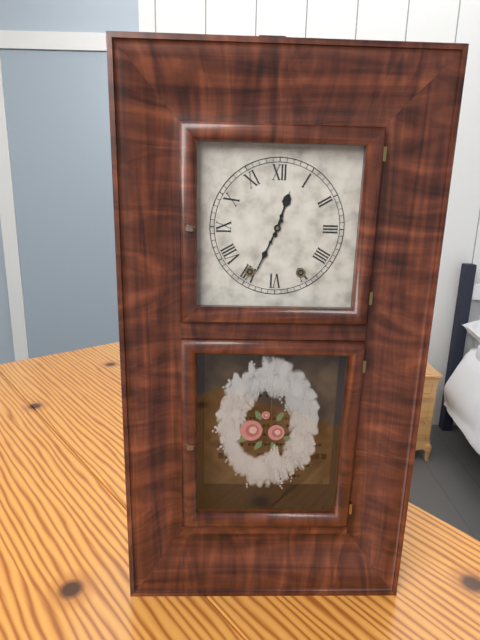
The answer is 12:34
